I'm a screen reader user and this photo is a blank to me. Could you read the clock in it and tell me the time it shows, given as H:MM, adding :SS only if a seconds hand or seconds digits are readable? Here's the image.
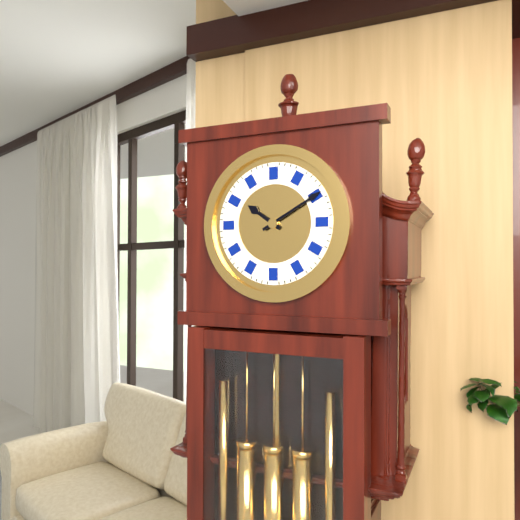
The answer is 10:10
